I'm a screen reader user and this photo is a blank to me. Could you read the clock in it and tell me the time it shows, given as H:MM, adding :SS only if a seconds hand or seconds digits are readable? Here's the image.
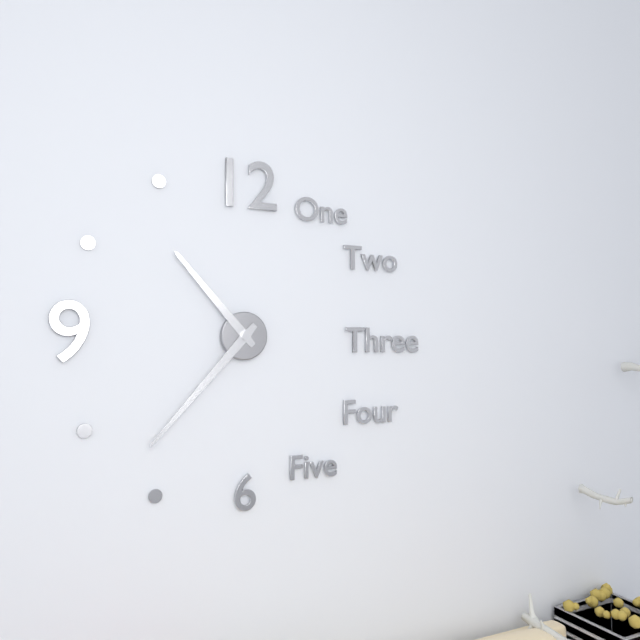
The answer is 10:37
